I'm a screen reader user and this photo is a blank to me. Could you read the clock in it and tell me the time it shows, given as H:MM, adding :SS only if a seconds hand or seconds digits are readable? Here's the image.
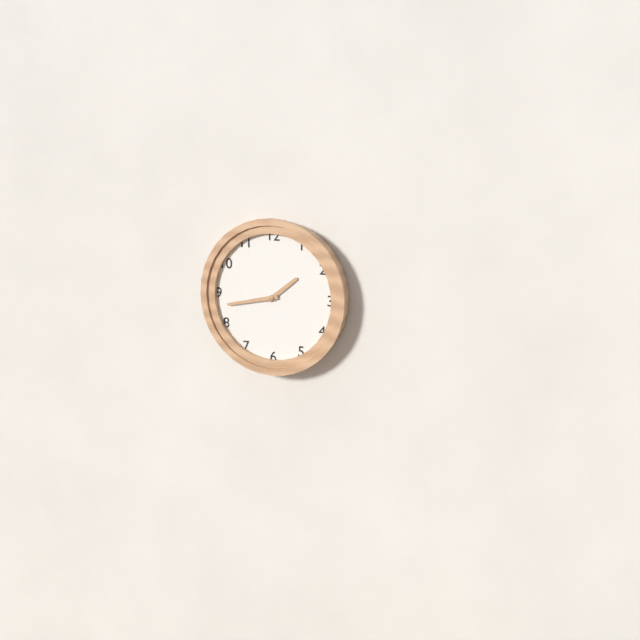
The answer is 1:43
